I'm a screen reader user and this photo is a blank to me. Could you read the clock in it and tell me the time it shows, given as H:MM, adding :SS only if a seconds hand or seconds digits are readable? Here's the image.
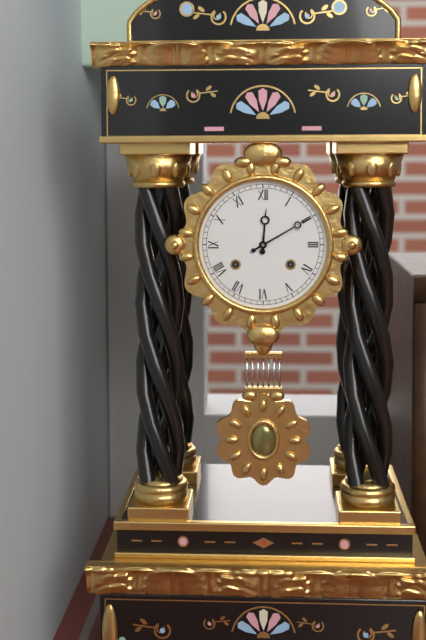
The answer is 12:10
